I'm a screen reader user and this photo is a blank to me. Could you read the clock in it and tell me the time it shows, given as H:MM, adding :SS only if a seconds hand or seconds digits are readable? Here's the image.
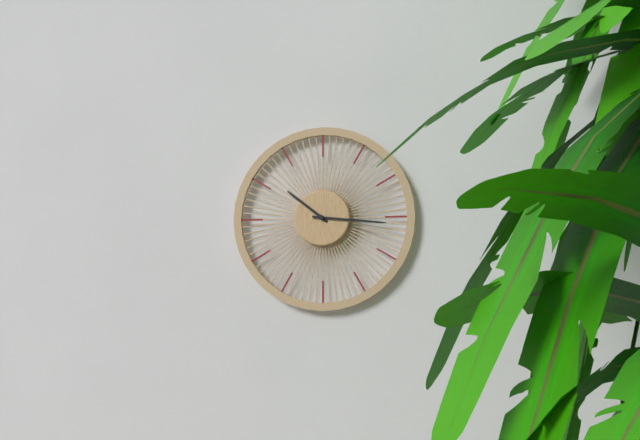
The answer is 10:16
